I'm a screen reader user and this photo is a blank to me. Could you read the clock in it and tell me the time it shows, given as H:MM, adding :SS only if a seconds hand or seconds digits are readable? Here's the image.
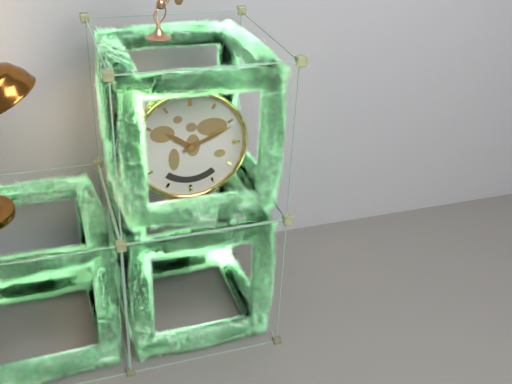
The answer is 10:11
